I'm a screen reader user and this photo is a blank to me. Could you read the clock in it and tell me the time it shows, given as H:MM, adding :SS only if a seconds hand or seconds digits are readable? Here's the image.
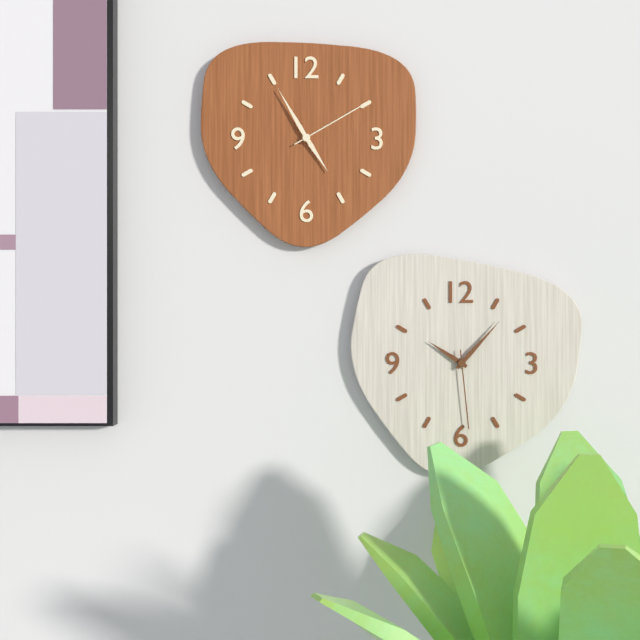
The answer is 4:55:10
